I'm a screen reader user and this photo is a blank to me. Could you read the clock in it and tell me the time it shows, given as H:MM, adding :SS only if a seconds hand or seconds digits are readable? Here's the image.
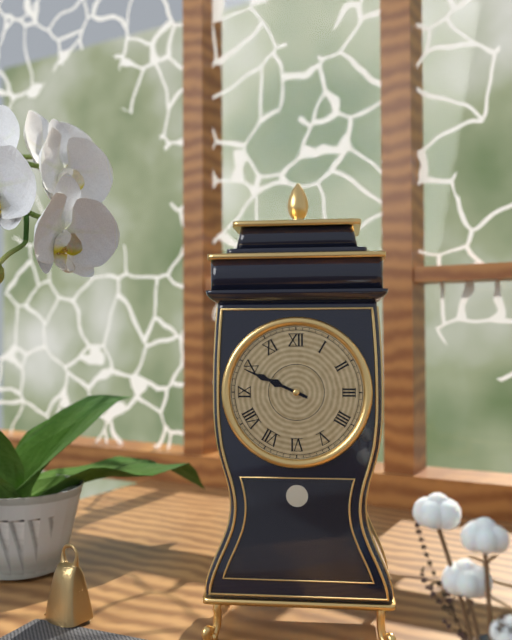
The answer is 9:49
